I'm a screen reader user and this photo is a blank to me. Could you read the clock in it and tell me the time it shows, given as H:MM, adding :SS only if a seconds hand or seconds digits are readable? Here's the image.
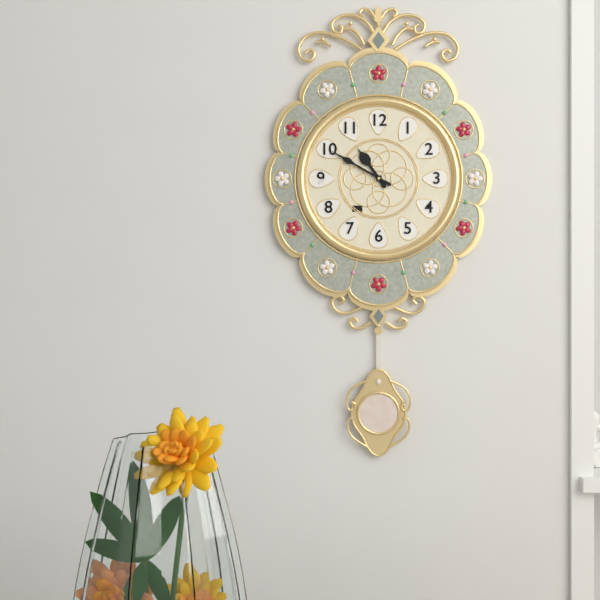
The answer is 10:50
